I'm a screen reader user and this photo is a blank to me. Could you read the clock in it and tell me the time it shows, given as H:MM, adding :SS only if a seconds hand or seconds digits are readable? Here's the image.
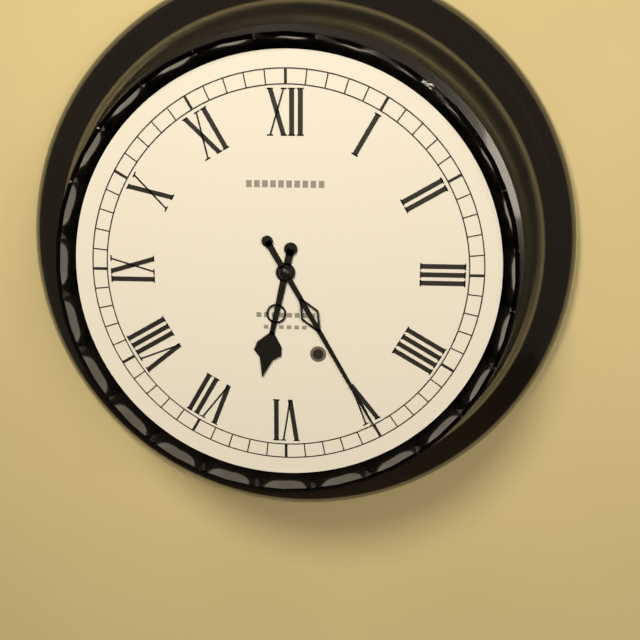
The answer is 6:25
